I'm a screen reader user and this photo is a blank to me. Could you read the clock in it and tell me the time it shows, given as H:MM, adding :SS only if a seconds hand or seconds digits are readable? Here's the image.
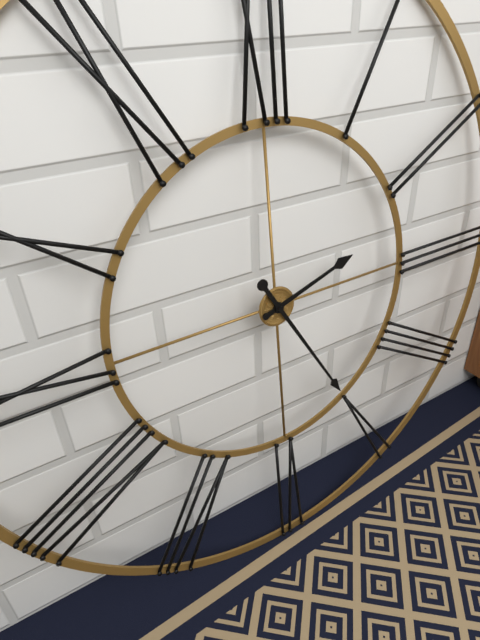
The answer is 2:25
